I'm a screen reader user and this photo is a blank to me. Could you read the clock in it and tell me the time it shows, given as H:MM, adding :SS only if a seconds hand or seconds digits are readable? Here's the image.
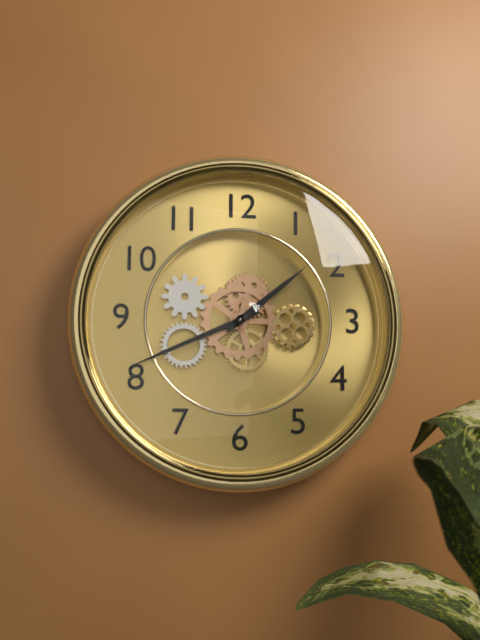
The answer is 1:41
